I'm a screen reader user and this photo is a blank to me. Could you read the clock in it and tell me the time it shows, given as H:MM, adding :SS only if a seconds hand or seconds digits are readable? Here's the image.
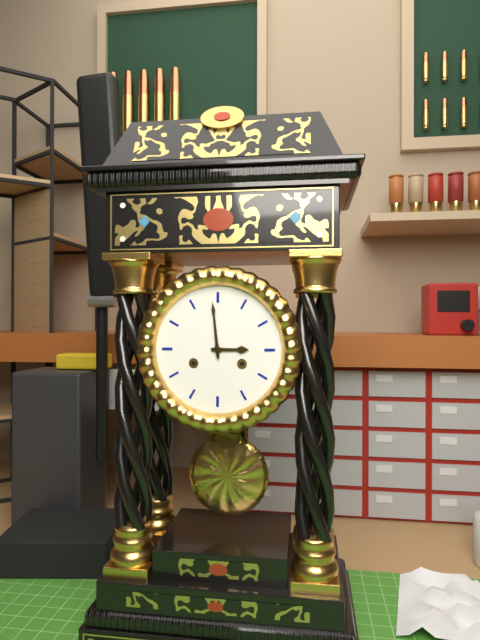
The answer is 2:59
